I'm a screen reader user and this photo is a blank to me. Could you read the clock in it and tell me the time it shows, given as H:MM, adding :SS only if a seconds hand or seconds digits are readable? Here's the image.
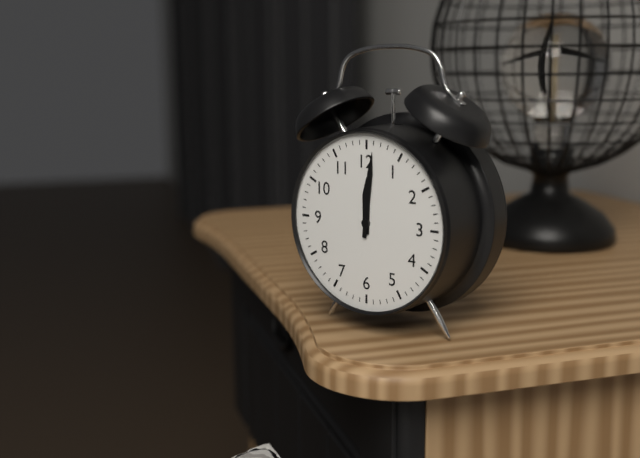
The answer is 12:01
